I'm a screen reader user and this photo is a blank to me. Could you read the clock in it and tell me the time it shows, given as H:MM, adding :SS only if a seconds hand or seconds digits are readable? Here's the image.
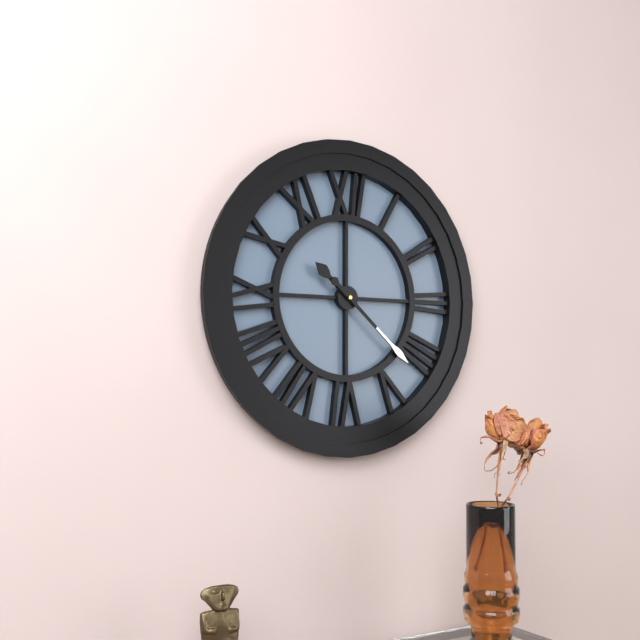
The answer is 10:22
